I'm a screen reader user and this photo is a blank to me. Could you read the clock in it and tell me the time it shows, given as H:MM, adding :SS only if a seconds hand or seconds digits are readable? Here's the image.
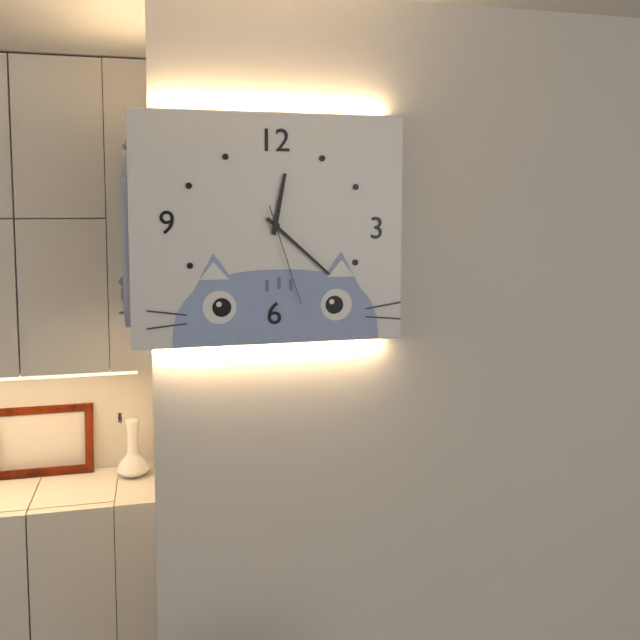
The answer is 12:22:27
